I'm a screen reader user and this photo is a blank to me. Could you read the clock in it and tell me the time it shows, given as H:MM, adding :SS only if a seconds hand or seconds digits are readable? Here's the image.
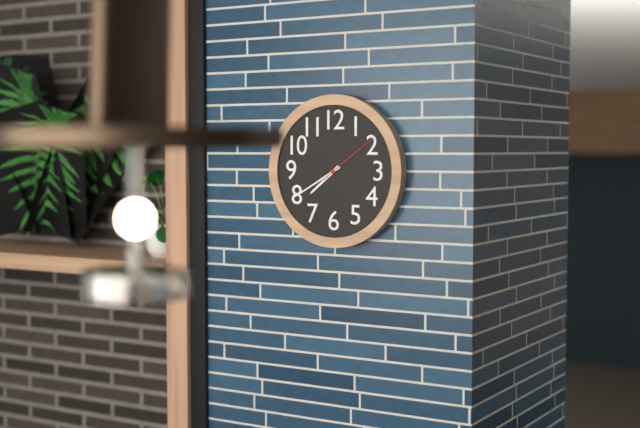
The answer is 7:40:09
